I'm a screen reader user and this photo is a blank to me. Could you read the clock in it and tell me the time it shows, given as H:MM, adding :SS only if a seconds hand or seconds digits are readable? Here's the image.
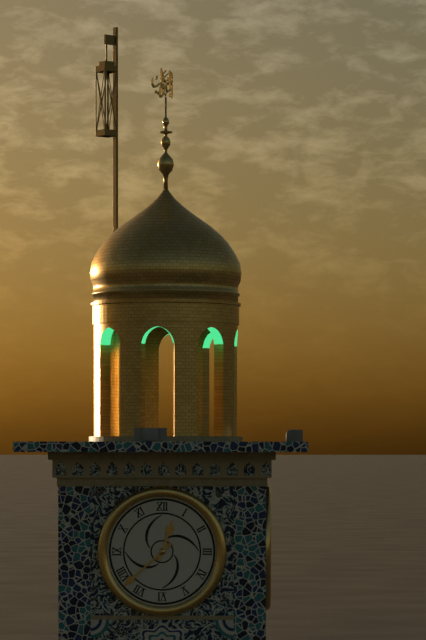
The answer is 12:38
